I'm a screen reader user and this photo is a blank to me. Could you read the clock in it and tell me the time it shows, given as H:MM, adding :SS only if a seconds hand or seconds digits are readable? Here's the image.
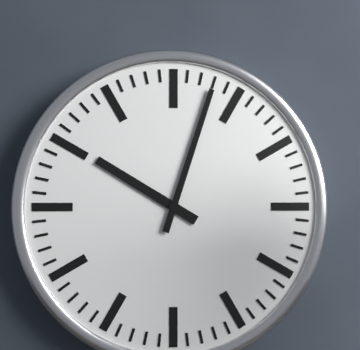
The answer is 10:03
